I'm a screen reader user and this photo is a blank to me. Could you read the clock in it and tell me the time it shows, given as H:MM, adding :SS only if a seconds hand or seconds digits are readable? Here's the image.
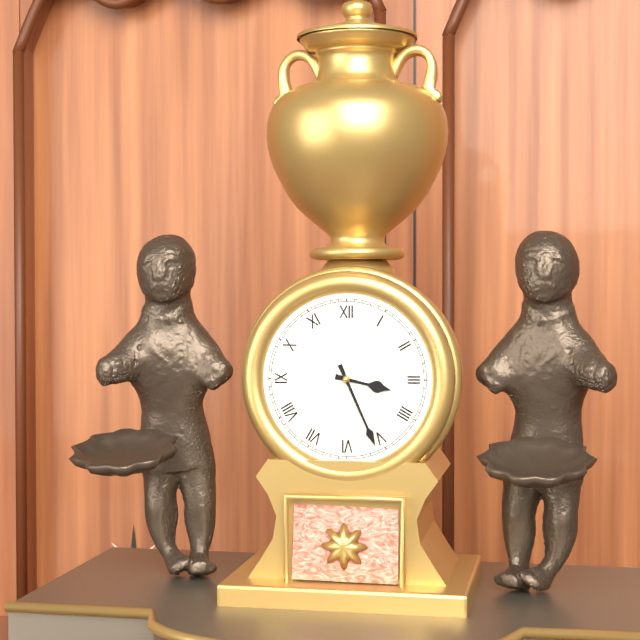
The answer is 3:26
